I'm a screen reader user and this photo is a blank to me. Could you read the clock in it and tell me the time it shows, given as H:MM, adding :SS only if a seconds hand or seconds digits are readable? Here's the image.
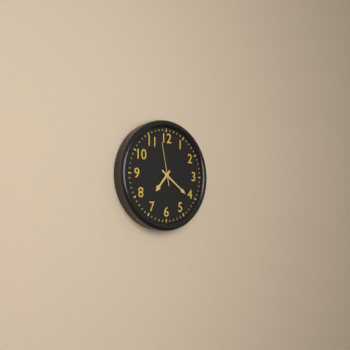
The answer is 7:21
